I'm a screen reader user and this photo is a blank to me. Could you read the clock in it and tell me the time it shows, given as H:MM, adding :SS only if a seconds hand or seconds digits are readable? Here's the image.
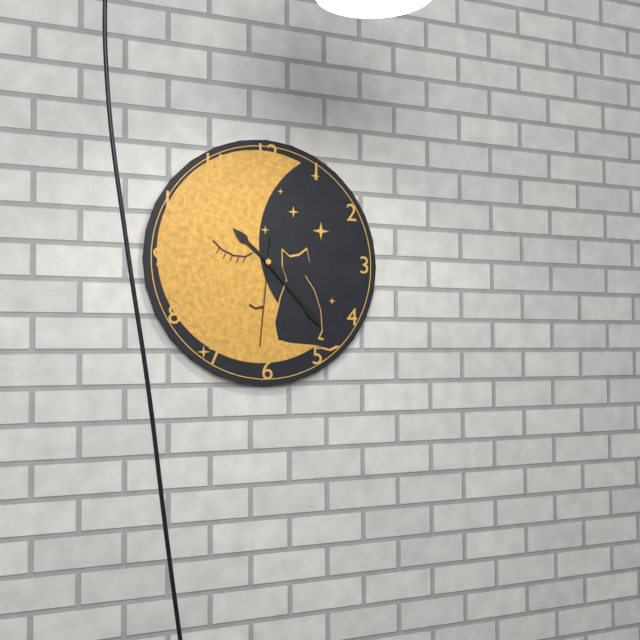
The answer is 10:23:31
